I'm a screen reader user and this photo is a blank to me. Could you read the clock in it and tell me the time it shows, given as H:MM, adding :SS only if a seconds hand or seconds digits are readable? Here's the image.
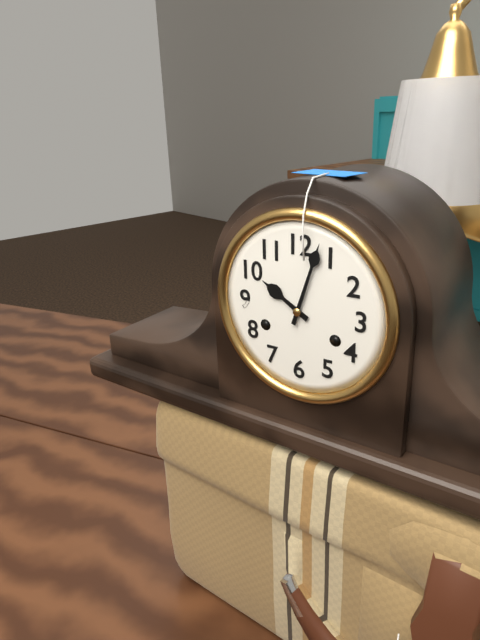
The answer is 10:03
